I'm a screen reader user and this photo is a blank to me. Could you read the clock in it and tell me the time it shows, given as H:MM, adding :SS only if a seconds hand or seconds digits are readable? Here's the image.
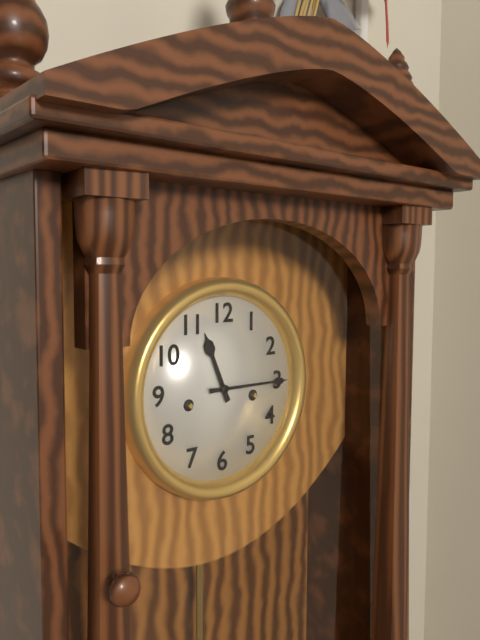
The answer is 11:15
